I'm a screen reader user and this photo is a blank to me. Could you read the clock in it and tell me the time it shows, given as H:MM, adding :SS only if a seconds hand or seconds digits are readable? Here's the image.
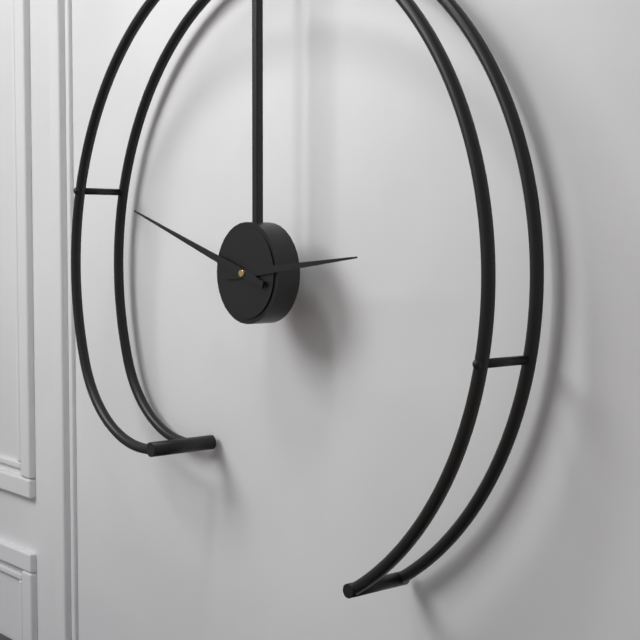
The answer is 2:48
